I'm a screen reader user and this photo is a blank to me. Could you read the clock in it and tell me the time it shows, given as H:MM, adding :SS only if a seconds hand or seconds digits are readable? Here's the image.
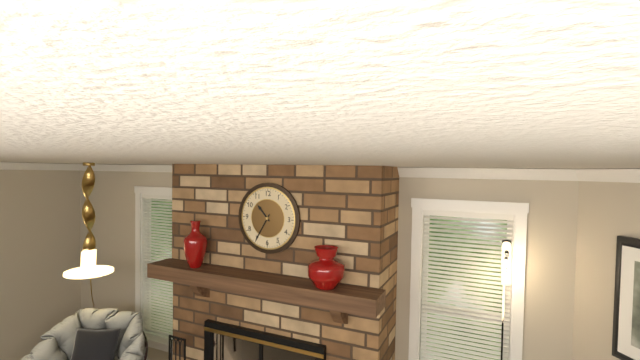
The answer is 10:35
